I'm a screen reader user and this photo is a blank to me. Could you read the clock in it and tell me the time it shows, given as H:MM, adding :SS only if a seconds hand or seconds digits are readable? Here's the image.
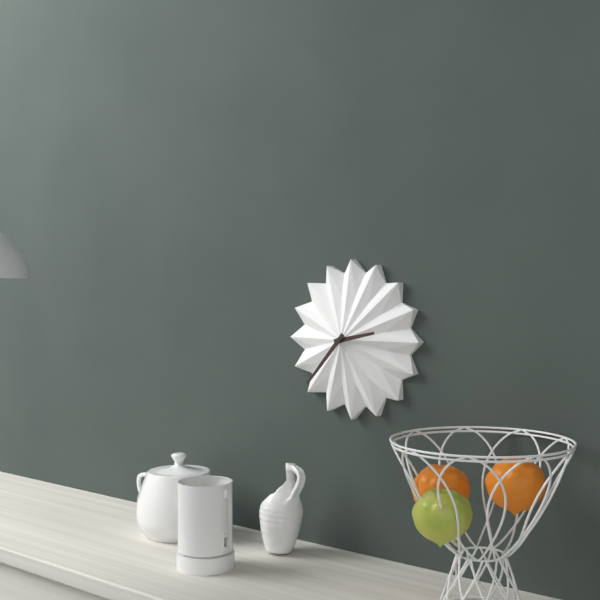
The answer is 2:37
